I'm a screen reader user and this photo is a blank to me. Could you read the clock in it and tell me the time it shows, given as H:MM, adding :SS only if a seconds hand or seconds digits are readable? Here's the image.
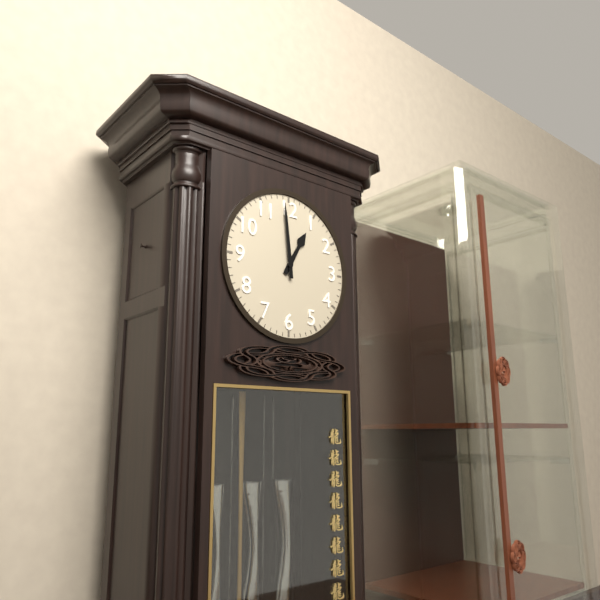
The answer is 12:59
